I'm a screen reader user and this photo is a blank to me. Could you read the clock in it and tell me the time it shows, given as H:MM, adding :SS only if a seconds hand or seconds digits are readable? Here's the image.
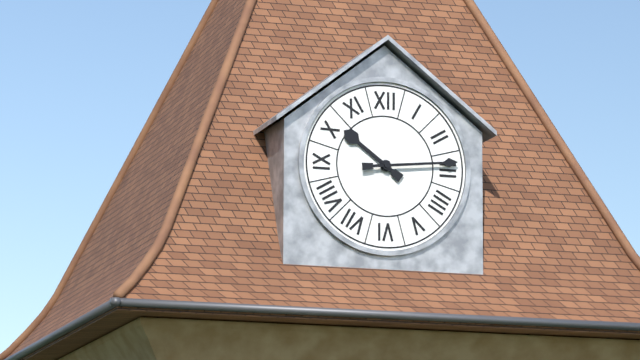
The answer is 10:14
